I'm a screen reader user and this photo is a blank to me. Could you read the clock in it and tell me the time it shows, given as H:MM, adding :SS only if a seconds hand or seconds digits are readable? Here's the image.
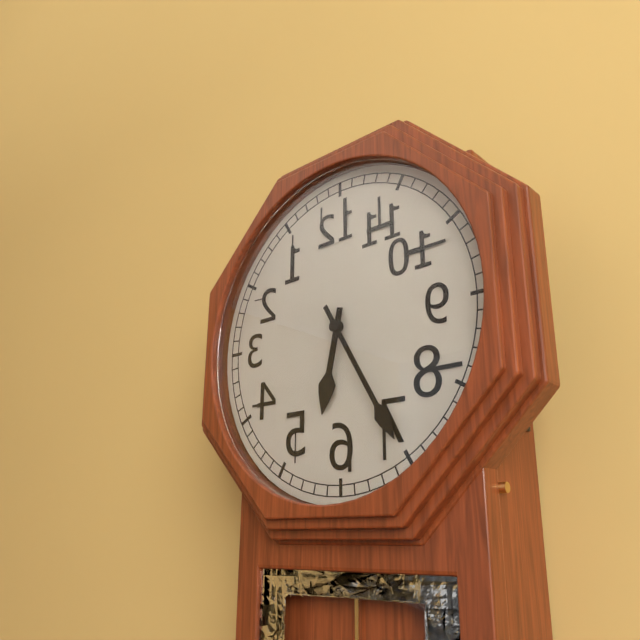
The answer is 6:25
